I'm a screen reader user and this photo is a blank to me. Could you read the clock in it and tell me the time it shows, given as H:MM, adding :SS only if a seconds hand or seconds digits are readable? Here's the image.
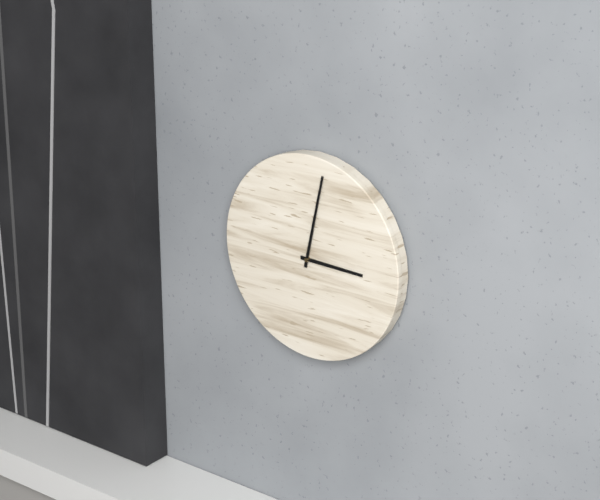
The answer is 3:02
